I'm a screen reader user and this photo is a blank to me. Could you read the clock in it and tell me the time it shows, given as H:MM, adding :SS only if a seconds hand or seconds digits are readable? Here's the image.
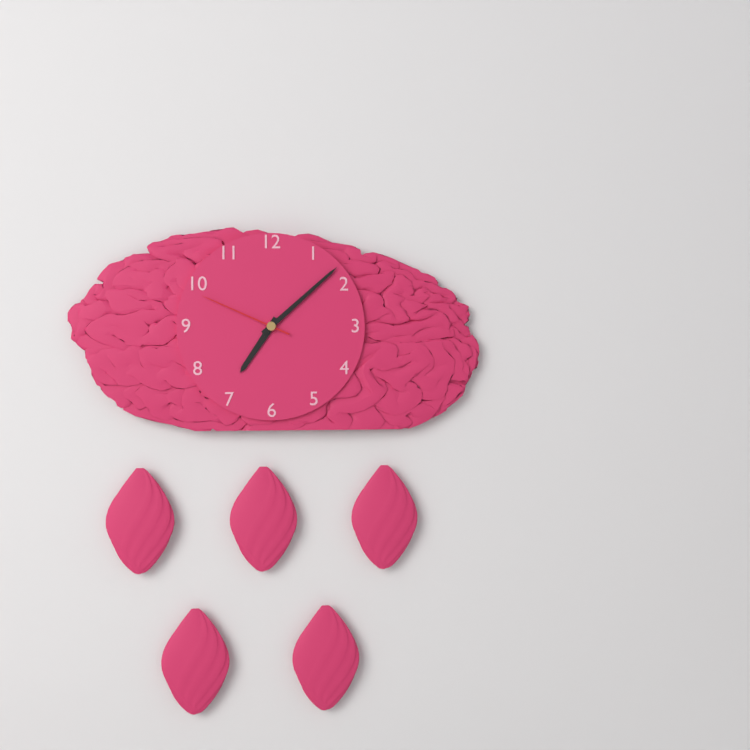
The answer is 7:08:49
